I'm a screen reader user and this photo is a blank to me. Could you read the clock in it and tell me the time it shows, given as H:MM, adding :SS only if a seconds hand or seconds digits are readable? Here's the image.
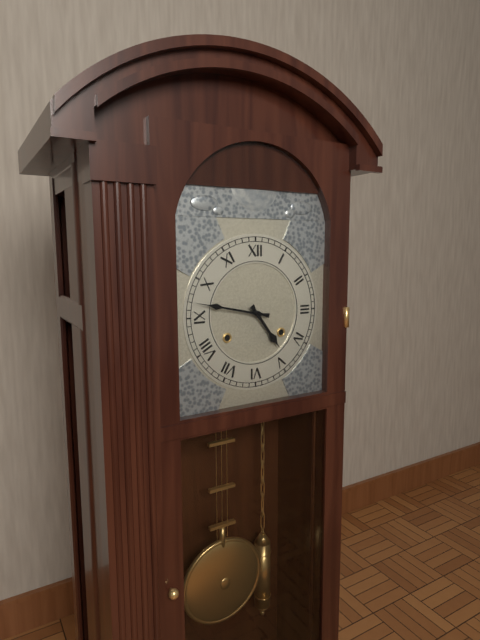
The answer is 4:47
